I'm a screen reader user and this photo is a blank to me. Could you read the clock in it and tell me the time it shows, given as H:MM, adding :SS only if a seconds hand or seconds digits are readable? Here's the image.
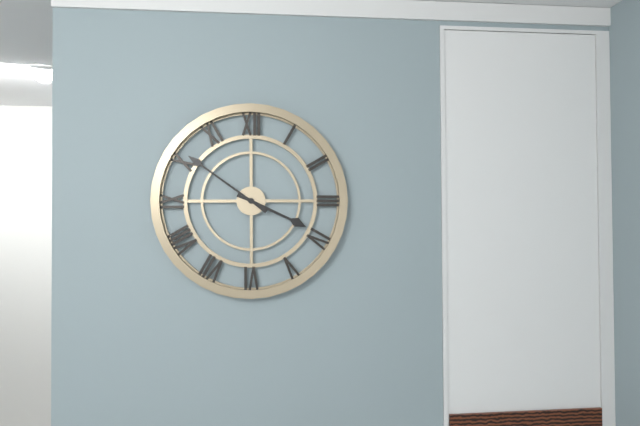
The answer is 3:51
